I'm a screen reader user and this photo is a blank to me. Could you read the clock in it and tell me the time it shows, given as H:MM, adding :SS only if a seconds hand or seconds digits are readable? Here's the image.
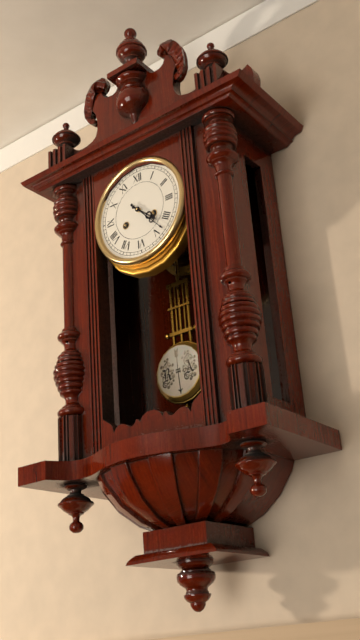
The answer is 4:23
